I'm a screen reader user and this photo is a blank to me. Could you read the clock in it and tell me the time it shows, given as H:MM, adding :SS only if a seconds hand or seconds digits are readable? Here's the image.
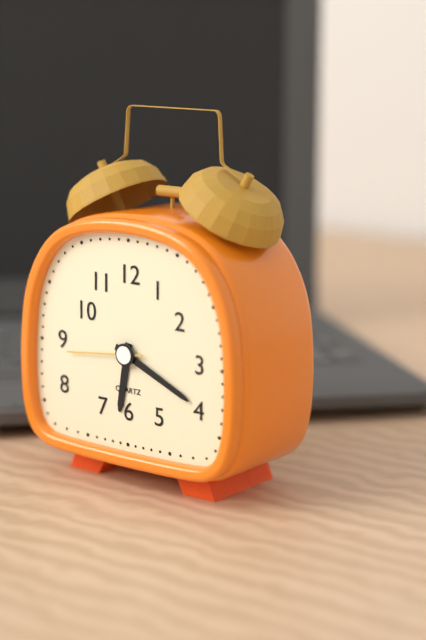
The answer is 6:19:44
